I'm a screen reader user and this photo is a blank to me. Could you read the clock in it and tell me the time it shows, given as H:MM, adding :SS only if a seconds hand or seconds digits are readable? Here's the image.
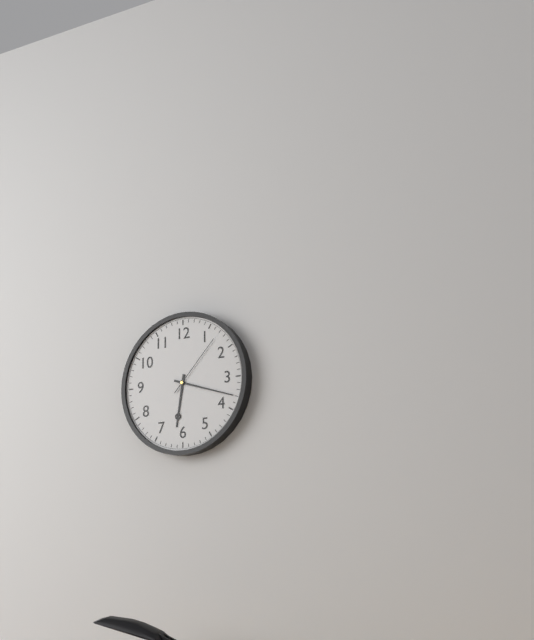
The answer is 6:18:07
